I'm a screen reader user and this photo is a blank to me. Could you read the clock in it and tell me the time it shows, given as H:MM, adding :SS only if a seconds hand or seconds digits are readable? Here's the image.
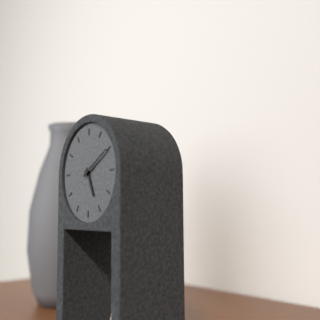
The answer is 5:10
